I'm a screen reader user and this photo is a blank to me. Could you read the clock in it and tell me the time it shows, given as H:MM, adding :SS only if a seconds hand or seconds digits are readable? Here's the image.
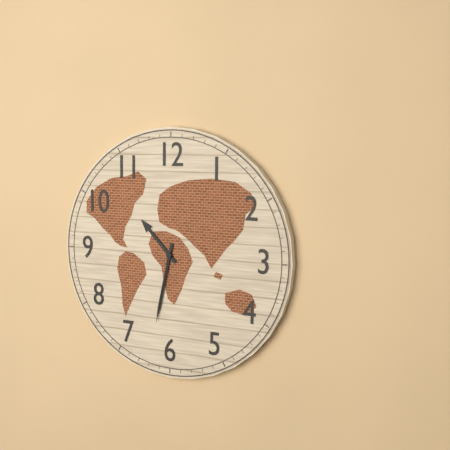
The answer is 10:32
